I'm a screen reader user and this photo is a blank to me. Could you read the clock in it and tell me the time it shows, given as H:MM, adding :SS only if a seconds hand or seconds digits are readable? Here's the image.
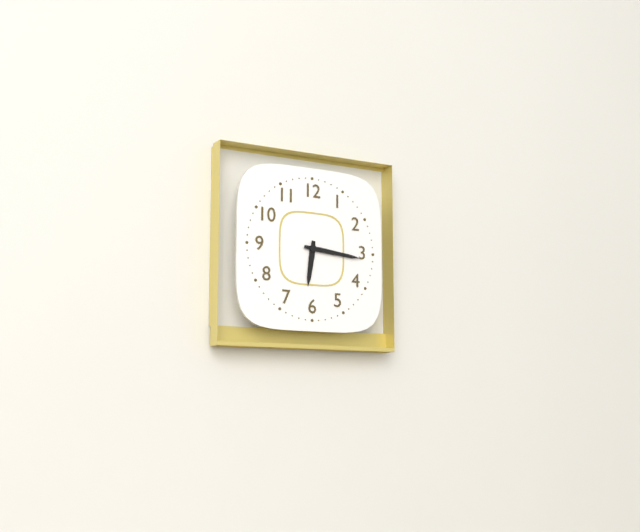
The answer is 6:16
